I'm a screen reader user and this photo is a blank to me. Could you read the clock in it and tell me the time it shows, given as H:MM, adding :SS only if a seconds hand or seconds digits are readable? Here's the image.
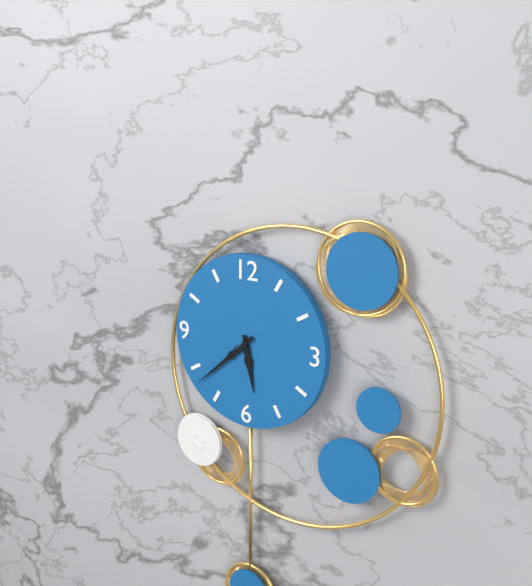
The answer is 5:38
